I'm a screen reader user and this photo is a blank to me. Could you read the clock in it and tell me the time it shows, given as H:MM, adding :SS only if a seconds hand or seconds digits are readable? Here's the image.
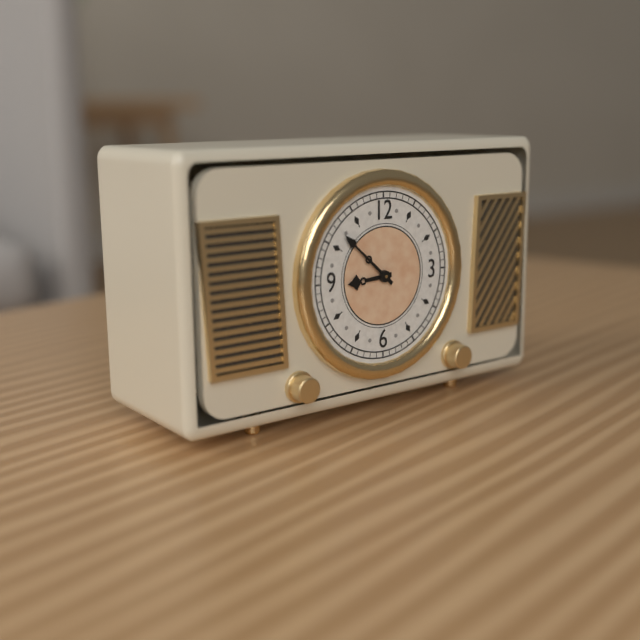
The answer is 8:52
